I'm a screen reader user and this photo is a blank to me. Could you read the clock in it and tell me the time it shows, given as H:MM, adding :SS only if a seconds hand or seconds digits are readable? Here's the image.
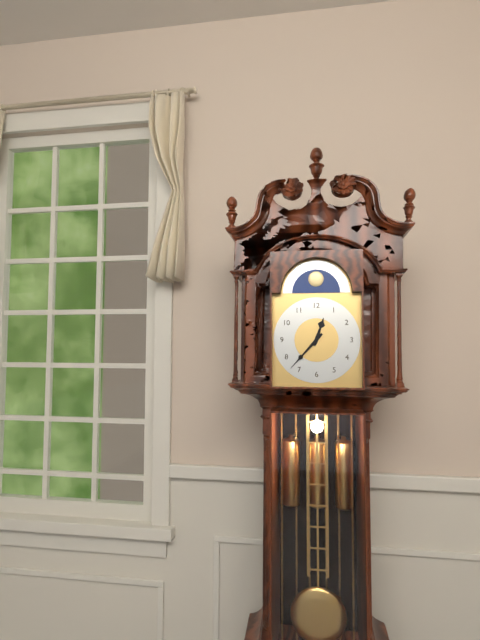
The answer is 12:37
